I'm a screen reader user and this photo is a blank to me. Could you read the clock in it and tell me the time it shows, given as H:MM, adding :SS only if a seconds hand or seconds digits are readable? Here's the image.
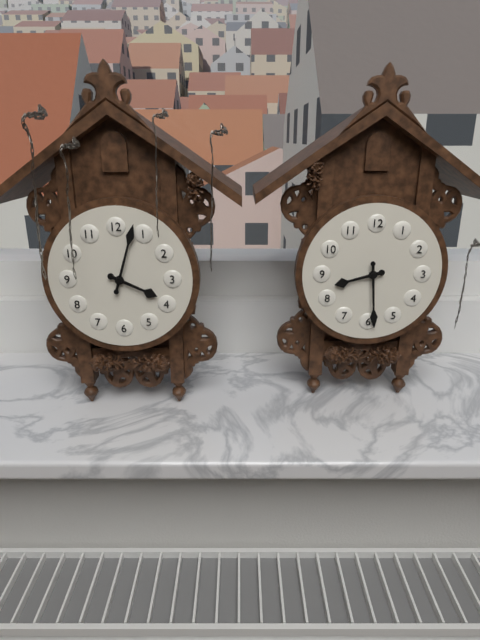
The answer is 8:29
